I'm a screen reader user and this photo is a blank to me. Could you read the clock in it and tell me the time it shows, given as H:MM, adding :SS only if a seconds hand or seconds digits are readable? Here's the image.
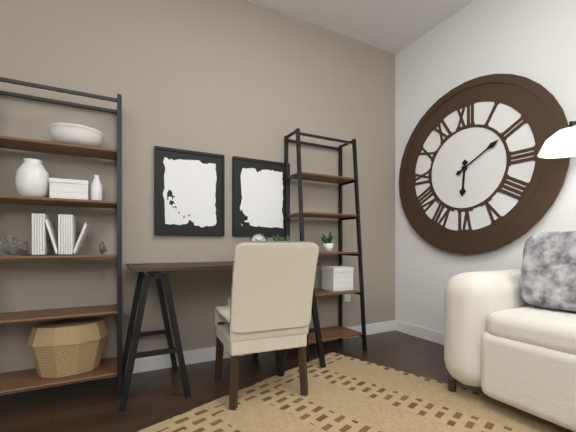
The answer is 6:10
